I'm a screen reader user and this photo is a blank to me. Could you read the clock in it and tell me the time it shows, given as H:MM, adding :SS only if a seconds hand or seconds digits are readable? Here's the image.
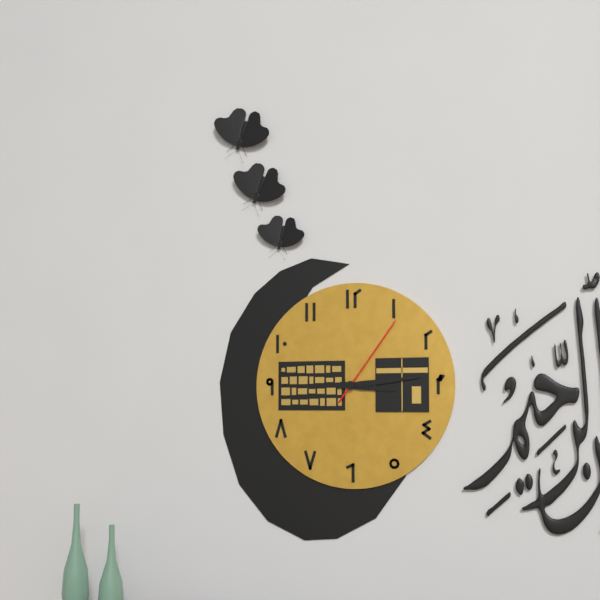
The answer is 3:14:06
